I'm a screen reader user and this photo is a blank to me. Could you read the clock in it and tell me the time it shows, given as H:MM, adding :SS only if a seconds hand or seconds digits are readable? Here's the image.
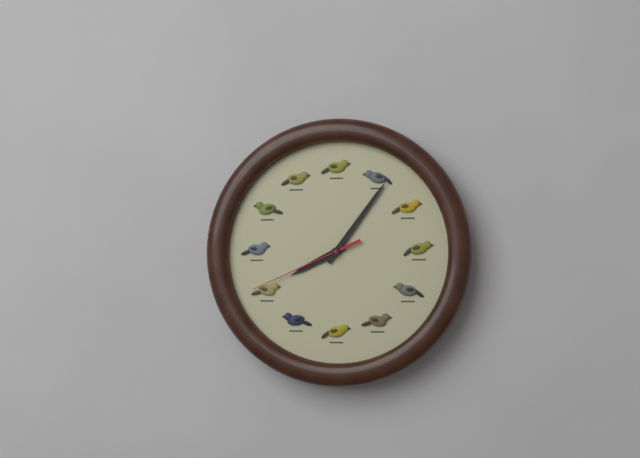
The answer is 8:06:41
